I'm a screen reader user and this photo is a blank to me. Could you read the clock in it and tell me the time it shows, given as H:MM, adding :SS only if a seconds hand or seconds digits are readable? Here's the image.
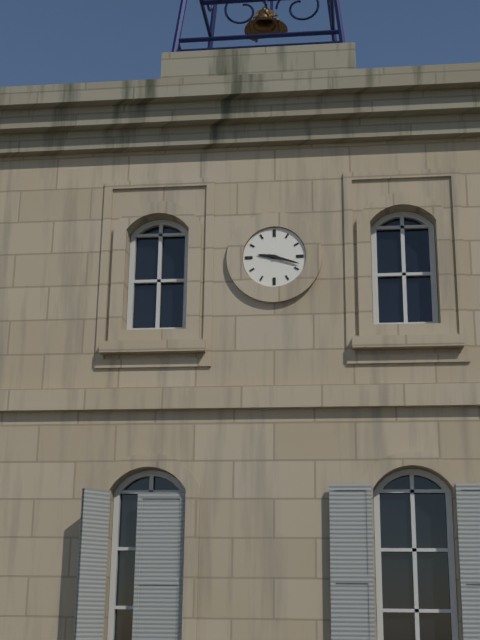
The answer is 9:18
